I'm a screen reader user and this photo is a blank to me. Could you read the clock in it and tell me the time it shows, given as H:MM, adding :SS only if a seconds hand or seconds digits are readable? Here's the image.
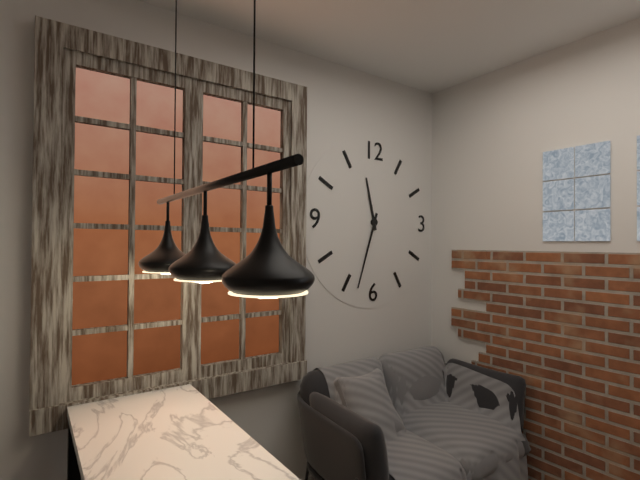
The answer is 11:33
